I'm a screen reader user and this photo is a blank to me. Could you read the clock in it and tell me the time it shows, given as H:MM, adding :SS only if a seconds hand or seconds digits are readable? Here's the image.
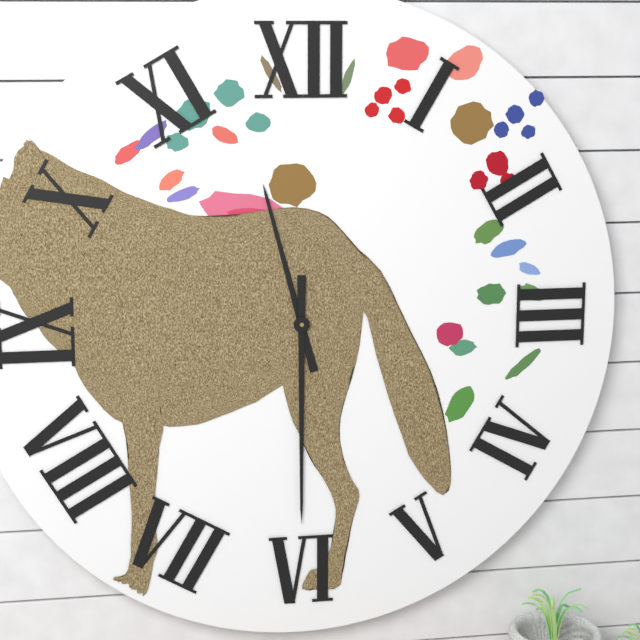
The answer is 11:30
